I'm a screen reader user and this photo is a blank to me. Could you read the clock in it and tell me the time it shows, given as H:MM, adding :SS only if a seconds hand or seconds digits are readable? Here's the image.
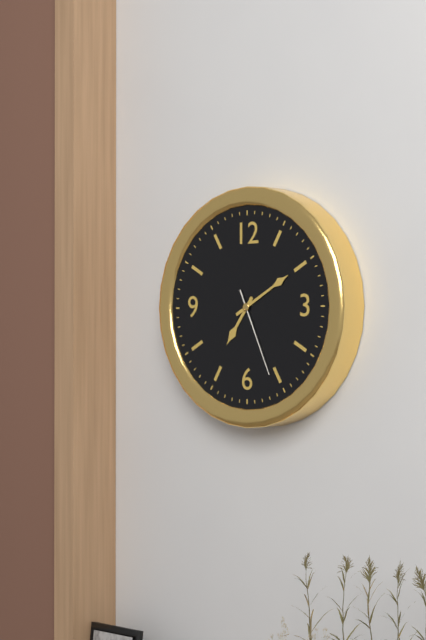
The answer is 7:10:26
